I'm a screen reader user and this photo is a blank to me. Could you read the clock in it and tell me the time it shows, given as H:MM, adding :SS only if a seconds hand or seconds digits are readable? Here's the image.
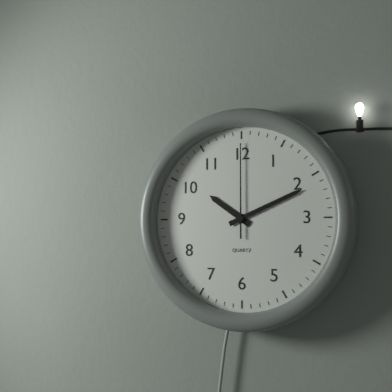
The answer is 10:11:00
